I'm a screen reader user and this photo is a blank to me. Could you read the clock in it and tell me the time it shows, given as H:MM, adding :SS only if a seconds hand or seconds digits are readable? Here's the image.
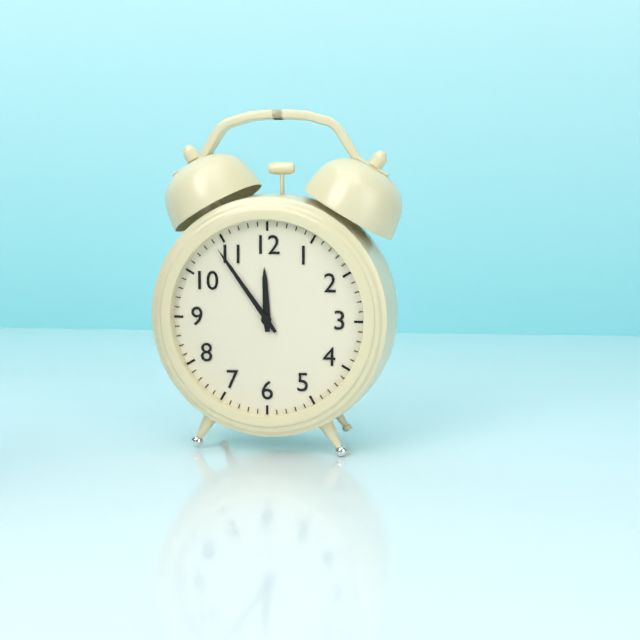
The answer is 11:54
